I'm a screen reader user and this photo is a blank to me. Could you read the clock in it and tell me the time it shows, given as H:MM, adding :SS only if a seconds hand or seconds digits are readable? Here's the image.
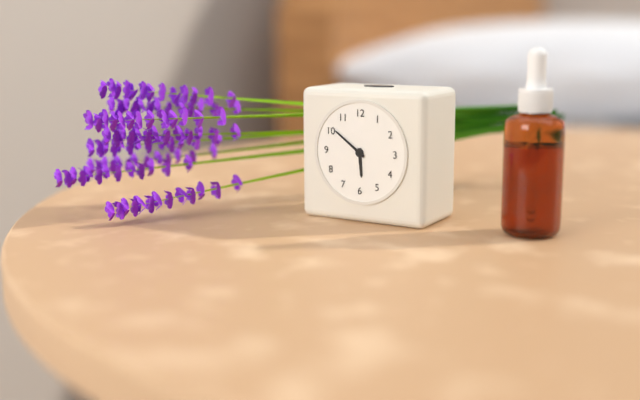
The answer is 5:51
